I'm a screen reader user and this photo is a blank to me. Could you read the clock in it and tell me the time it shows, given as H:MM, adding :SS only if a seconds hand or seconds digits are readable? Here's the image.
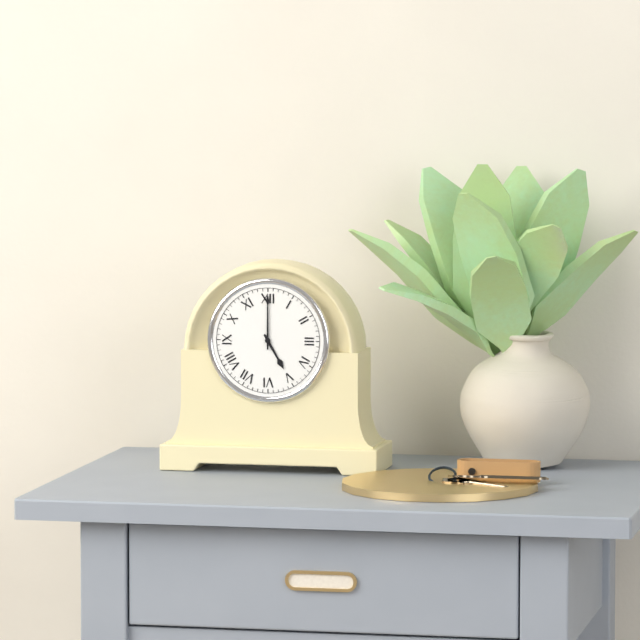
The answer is 5:00
